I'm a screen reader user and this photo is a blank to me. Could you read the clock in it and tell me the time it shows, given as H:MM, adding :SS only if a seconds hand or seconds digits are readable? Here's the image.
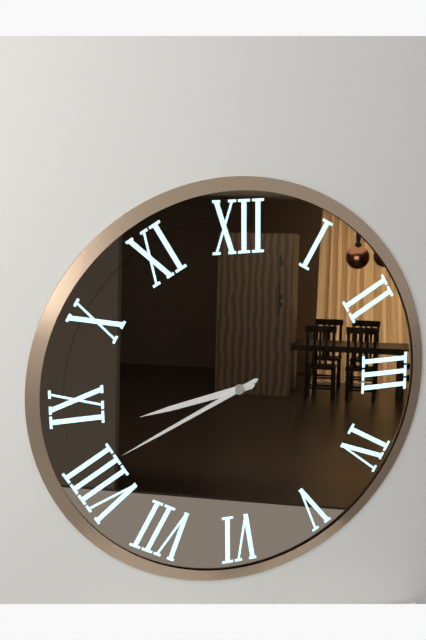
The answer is 8:41
